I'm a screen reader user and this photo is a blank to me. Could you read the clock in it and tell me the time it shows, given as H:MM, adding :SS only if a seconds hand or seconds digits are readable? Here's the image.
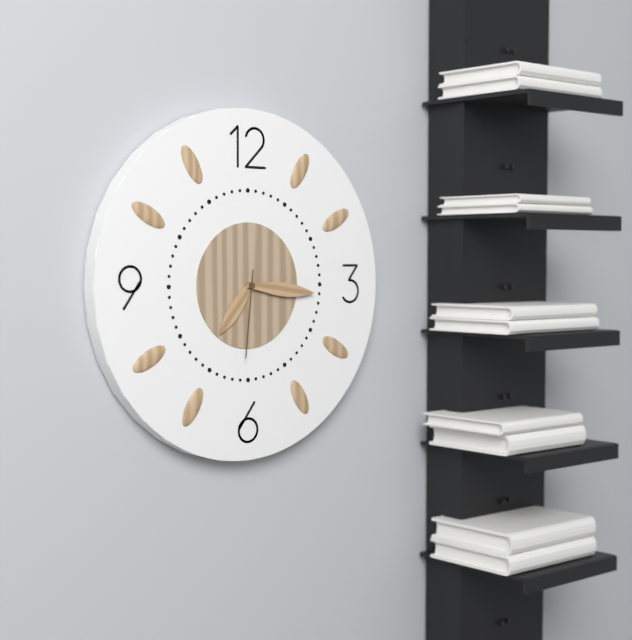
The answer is 7:16:31
